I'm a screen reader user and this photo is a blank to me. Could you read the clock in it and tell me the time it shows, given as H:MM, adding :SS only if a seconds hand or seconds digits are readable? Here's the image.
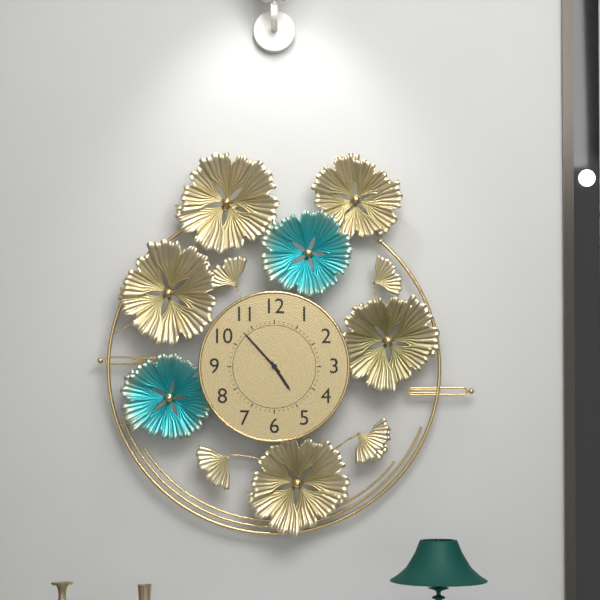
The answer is 4:53
